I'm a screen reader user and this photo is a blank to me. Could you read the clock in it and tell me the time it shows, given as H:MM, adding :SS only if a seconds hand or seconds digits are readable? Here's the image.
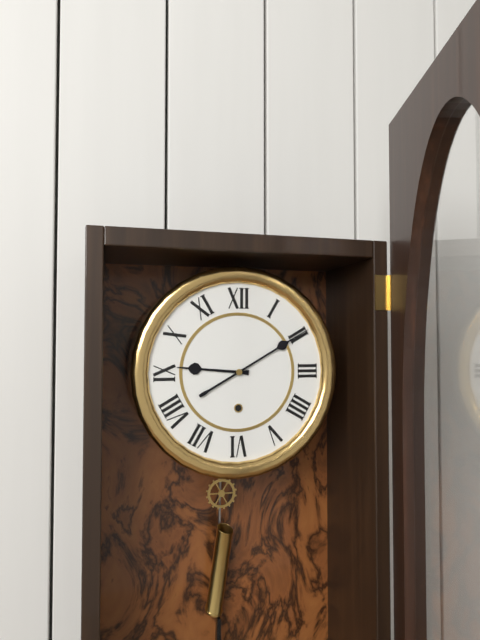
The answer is 9:10
